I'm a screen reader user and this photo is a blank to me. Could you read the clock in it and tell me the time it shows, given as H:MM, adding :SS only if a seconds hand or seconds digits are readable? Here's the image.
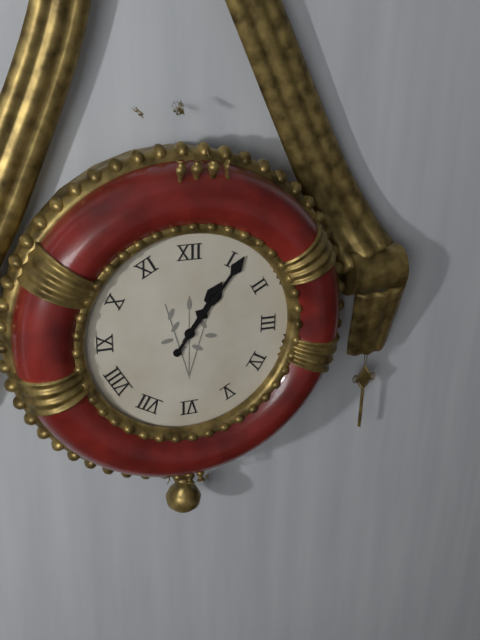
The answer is 1:06
